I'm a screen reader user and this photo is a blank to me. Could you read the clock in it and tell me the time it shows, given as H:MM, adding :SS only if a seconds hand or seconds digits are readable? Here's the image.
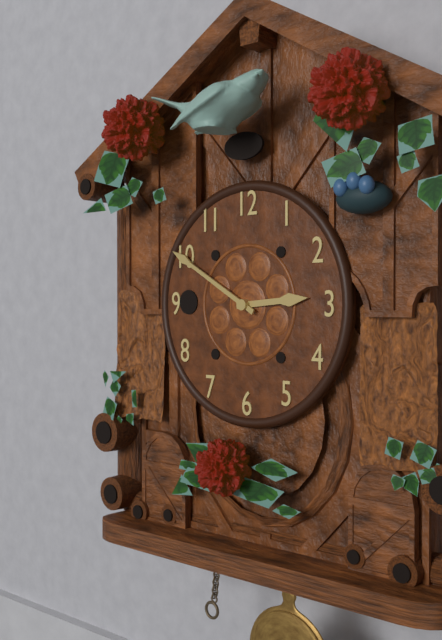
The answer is 2:50
